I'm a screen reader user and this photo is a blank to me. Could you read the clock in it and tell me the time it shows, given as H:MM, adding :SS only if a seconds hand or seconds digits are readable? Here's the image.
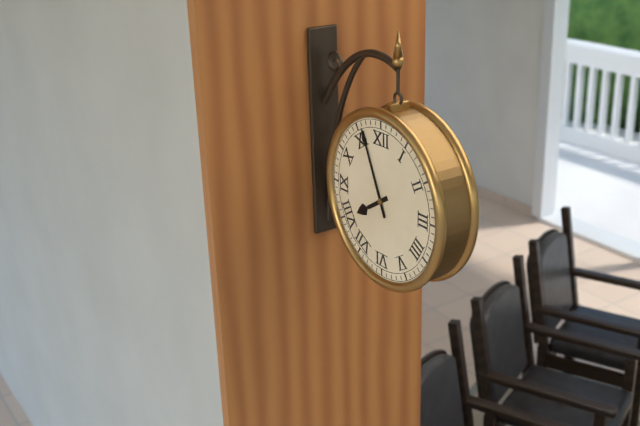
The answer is 7:56
